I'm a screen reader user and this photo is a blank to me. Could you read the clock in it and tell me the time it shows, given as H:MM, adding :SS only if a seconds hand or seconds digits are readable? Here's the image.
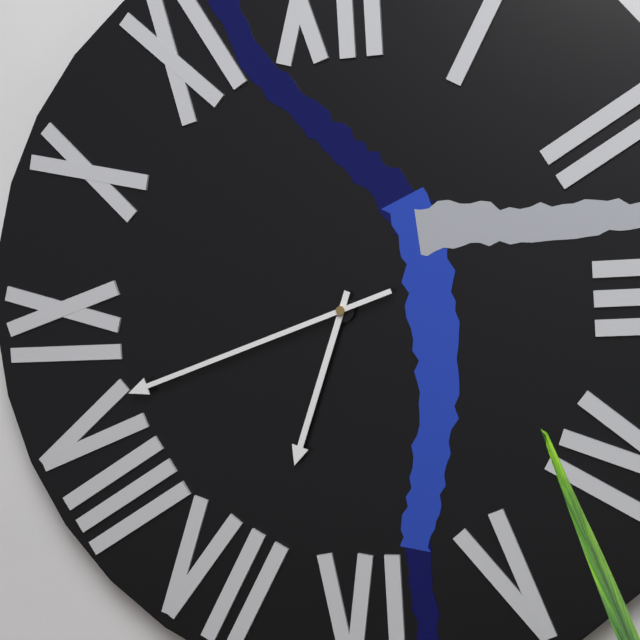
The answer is 6:42
